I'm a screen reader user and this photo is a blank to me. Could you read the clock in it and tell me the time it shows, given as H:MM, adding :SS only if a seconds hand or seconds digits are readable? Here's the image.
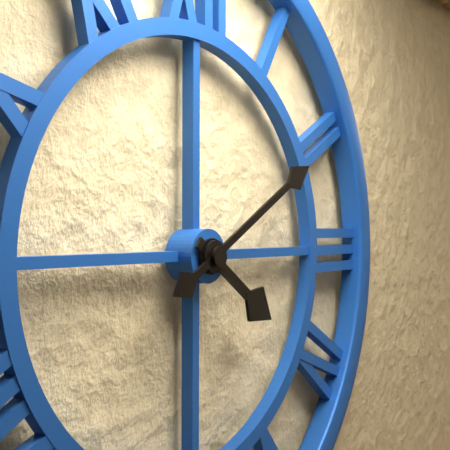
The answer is 4:10
